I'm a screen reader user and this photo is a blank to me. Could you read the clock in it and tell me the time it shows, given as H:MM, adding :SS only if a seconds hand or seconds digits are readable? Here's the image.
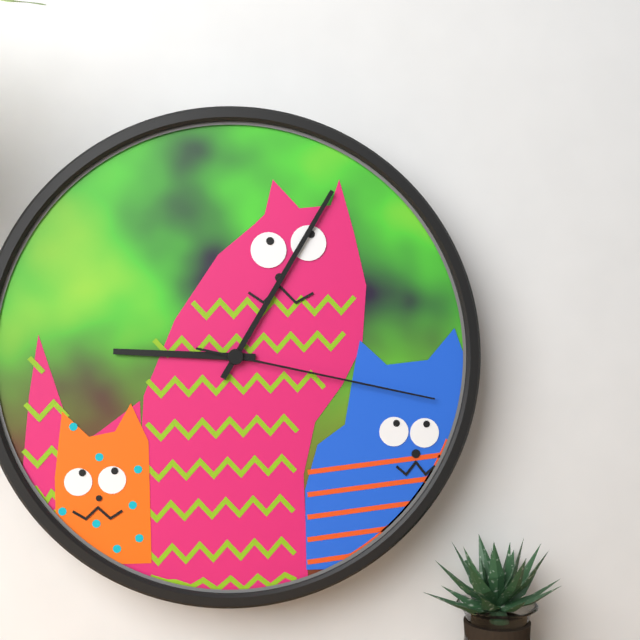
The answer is 9:05:17
